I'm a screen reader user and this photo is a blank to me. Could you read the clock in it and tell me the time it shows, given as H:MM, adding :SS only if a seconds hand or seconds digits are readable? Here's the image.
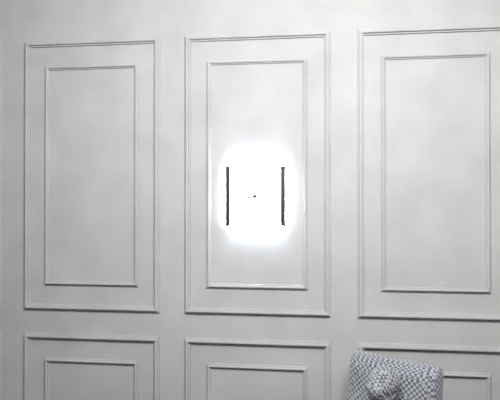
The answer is 8:33
